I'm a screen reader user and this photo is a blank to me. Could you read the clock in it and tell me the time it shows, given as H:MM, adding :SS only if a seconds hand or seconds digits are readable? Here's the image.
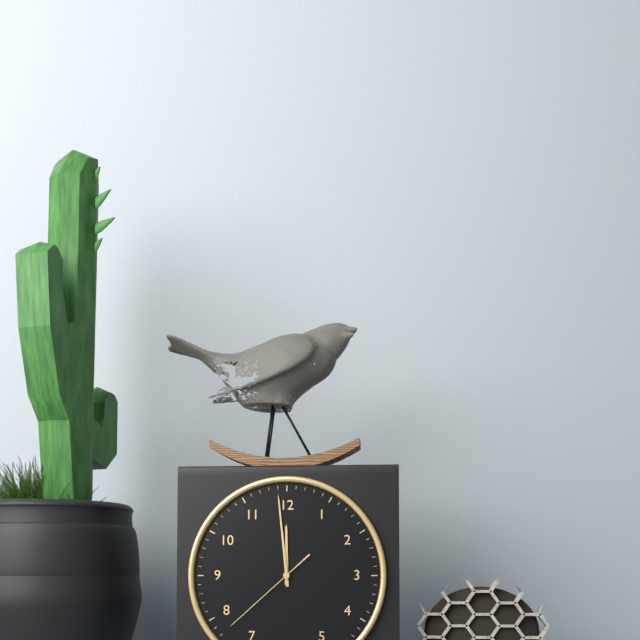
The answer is 11:59:38
